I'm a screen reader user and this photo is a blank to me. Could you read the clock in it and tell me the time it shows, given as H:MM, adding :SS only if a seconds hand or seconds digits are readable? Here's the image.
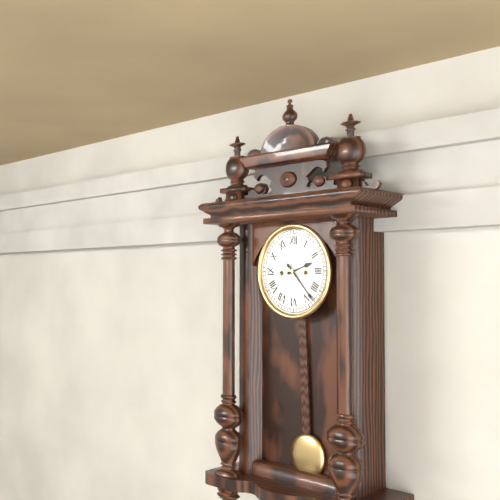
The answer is 2:23
